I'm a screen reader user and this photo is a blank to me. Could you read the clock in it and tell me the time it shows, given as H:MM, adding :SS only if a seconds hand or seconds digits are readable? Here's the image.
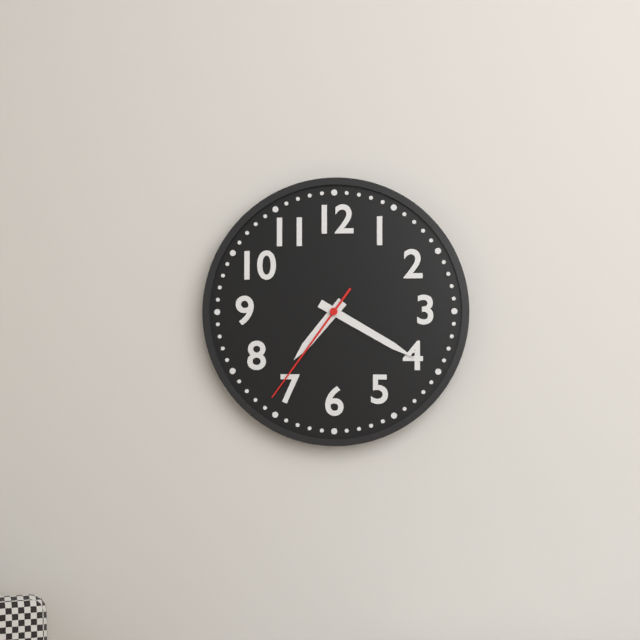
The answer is 7:20:36
